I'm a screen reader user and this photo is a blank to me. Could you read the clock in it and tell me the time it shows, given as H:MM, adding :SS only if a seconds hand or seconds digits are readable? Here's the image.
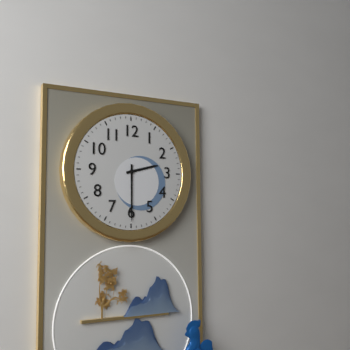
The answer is 2:30
